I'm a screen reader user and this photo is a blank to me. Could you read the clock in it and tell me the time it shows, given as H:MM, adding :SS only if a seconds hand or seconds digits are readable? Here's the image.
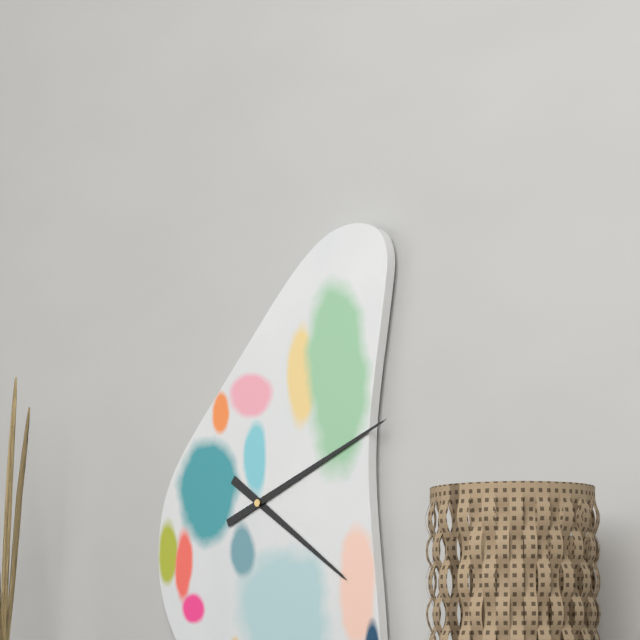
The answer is 4:11
